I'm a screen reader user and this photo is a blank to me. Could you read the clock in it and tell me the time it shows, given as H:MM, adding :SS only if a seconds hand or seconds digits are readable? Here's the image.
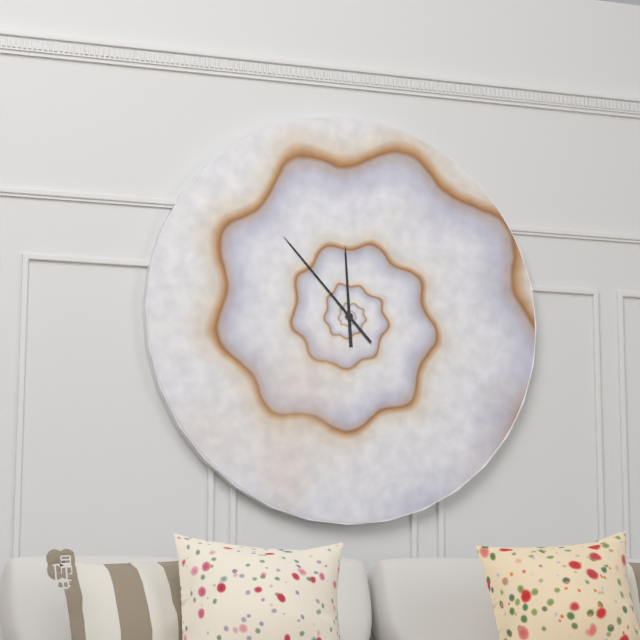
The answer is 11:53
